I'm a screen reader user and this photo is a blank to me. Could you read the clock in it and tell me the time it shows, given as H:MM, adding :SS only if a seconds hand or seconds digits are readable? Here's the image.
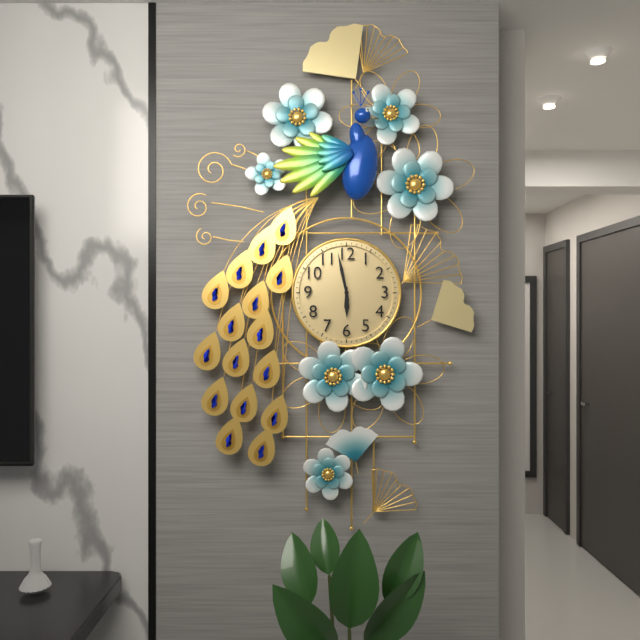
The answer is 5:58
